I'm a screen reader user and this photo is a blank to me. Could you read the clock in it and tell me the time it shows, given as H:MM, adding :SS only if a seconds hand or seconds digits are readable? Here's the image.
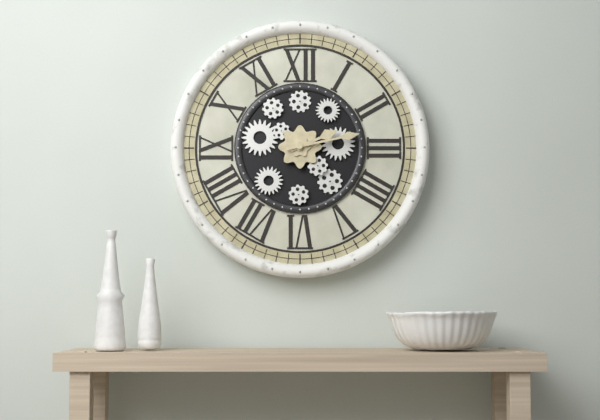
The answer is 2:13
